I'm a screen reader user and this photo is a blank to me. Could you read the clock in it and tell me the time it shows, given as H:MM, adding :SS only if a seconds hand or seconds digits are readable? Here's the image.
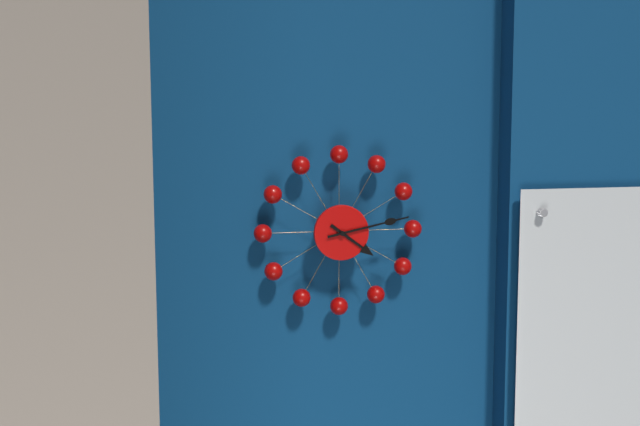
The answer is 4:13
